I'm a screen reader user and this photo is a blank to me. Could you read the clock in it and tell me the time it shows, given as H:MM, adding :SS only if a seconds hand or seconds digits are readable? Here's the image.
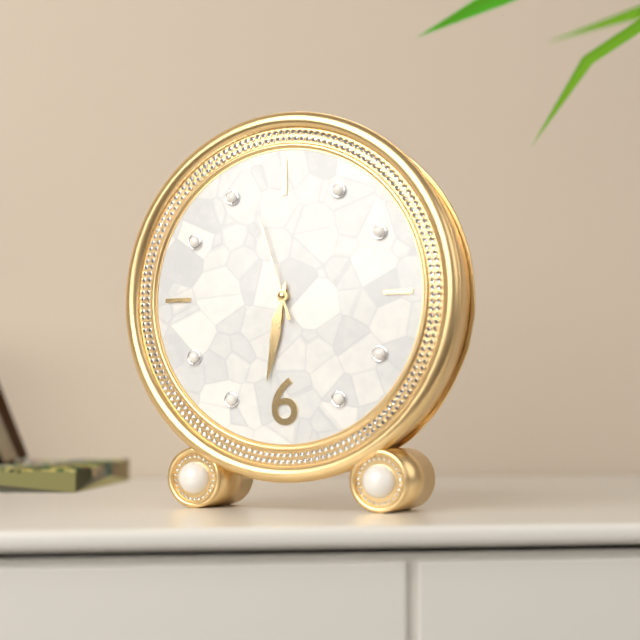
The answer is 6:32:57
